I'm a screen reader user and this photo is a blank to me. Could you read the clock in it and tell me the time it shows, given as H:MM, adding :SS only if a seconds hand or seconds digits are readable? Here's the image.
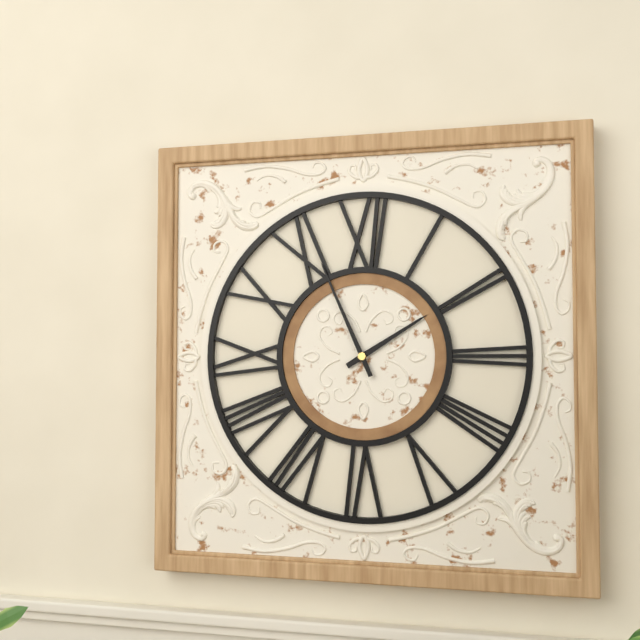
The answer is 1:56
